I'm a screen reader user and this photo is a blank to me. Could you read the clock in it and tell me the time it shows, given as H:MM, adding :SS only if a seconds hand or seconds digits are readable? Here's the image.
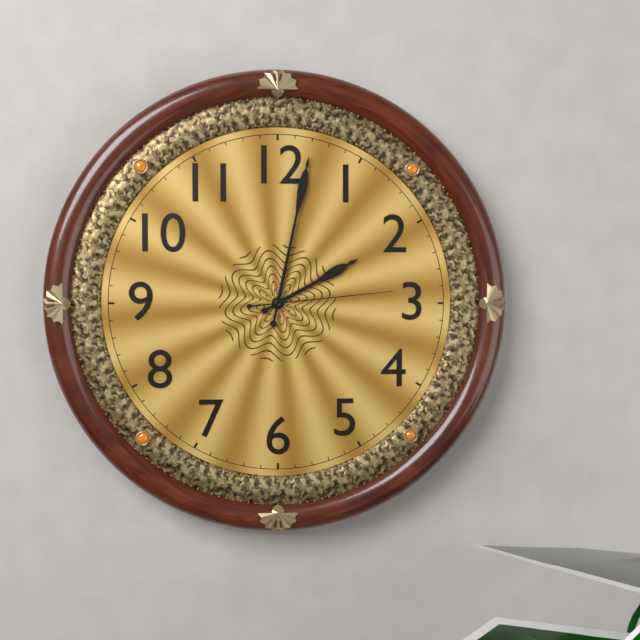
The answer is 2:02:14
